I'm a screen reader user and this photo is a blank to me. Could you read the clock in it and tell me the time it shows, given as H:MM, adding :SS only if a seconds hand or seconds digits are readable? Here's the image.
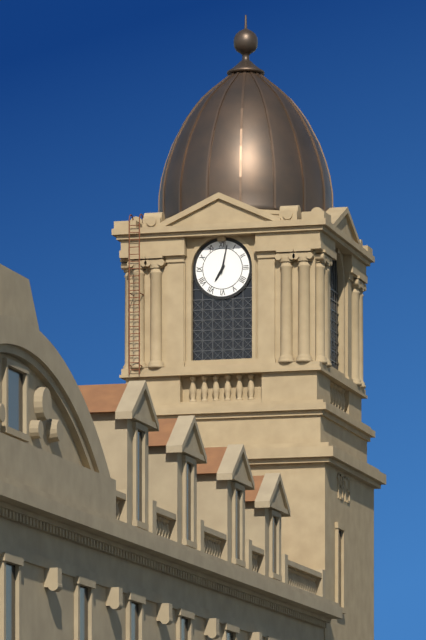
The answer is 7:02
